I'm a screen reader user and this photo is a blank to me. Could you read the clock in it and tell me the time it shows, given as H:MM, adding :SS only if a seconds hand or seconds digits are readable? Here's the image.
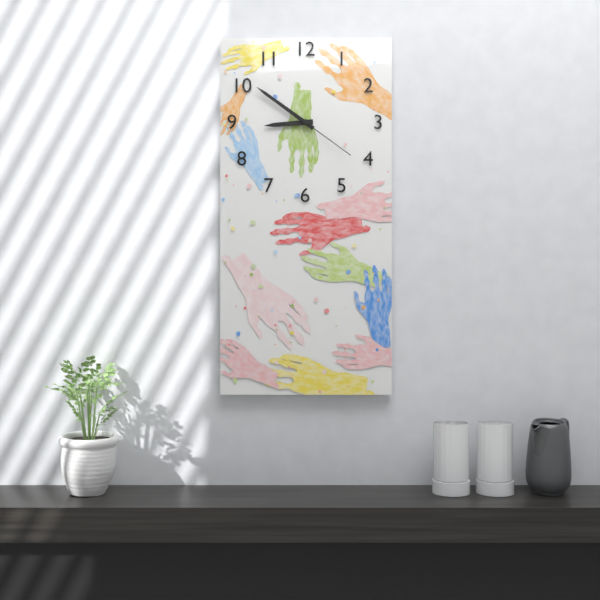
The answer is 8:51:21
